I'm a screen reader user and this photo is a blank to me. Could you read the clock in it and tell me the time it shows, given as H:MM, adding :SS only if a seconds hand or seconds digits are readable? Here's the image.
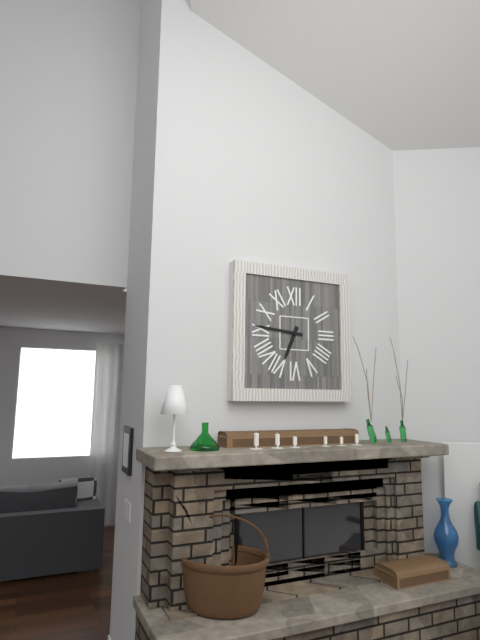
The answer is 6:46
